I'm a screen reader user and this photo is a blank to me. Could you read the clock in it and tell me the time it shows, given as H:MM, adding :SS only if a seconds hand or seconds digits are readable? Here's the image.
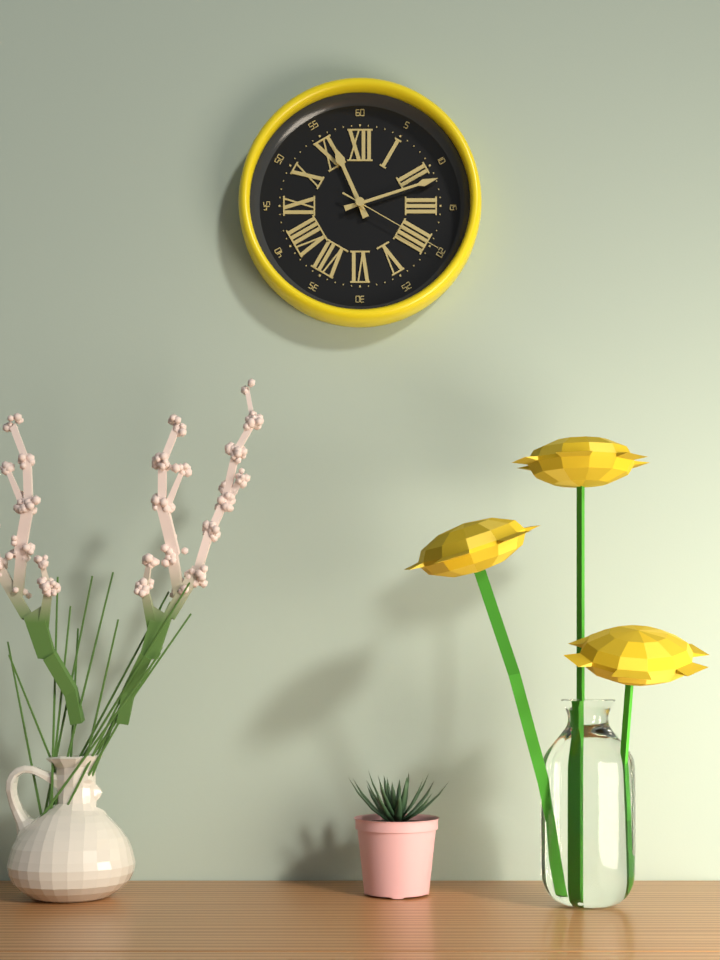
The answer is 11:12:20
